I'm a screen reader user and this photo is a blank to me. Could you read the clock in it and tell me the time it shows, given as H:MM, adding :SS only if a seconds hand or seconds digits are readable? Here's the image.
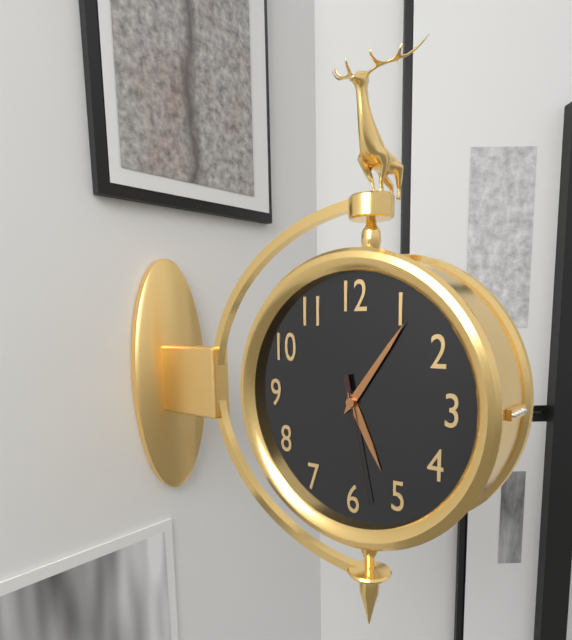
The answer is 5:06:28
